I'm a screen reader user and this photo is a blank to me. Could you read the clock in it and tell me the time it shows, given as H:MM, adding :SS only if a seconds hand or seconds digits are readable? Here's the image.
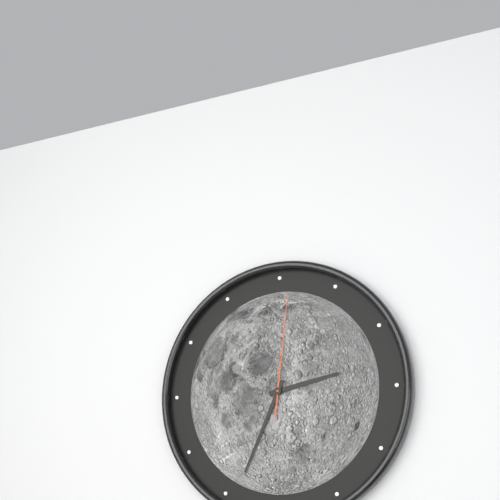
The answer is 2:34:01
